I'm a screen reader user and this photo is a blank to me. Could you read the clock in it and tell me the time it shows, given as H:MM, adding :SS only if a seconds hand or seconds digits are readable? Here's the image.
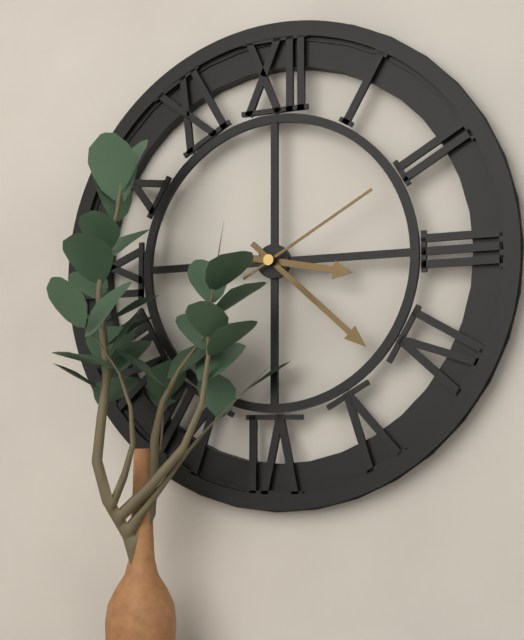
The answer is 3:22:10
